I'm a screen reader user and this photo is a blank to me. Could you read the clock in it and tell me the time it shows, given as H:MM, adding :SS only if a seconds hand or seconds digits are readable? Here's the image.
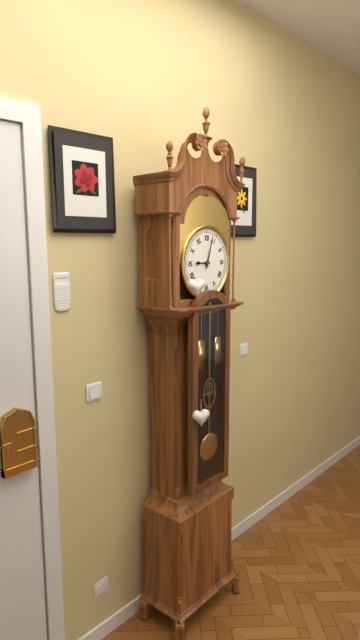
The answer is 9:03
